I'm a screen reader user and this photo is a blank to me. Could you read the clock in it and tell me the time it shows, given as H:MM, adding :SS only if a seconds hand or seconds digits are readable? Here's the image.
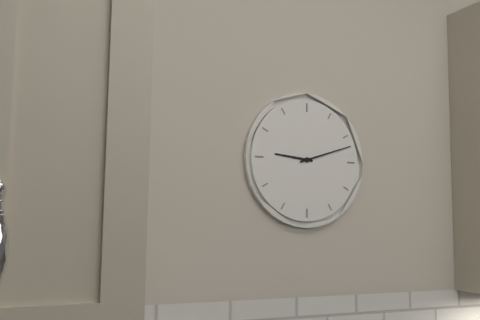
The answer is 9:12
